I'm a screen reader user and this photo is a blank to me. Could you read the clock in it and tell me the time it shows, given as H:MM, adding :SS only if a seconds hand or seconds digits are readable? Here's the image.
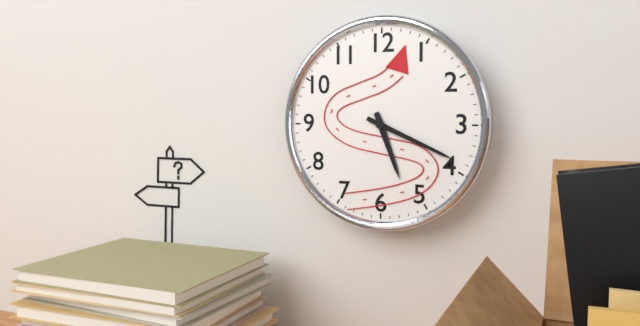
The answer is 5:19
